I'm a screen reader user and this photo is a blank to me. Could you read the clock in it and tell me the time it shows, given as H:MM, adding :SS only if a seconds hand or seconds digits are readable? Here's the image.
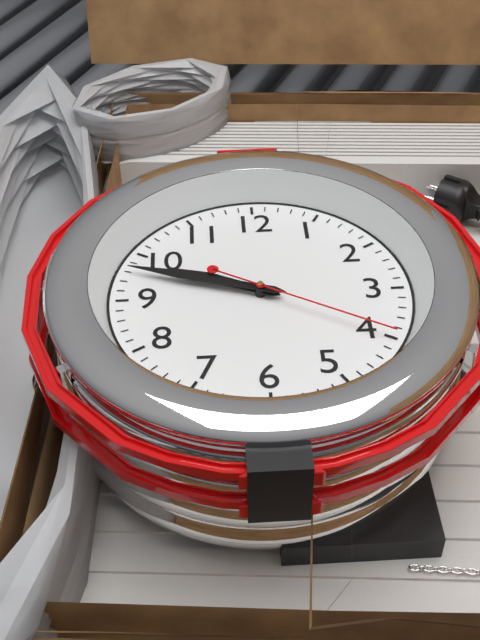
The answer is 9:48:20
